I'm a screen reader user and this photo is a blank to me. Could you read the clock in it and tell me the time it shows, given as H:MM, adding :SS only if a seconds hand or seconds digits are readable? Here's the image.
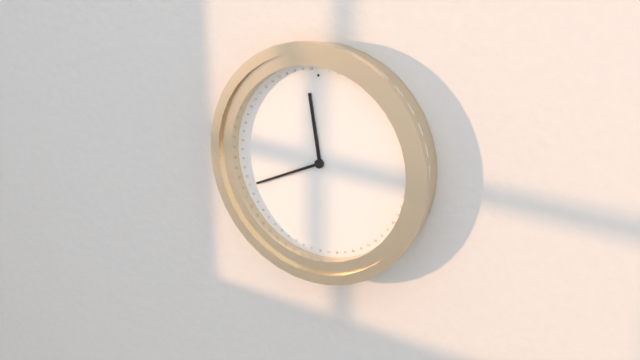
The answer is 11:41
